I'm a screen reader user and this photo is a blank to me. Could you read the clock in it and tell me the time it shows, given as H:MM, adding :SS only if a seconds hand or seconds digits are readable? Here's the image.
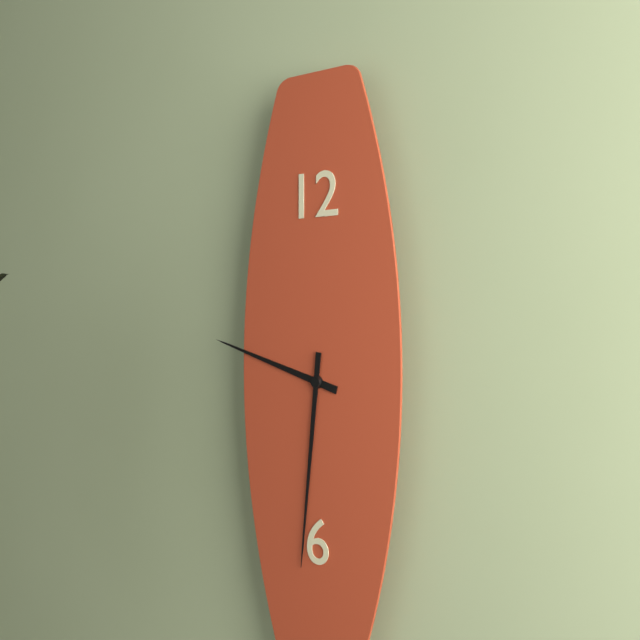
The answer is 9:31
